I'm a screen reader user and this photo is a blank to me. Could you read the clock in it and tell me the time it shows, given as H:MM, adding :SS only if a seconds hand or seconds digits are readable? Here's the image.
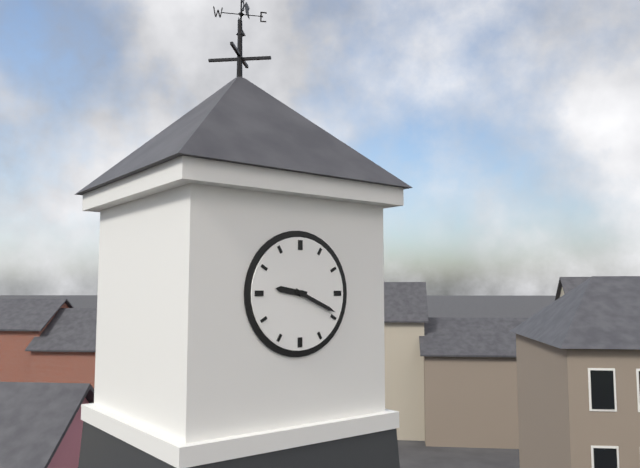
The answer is 9:19
